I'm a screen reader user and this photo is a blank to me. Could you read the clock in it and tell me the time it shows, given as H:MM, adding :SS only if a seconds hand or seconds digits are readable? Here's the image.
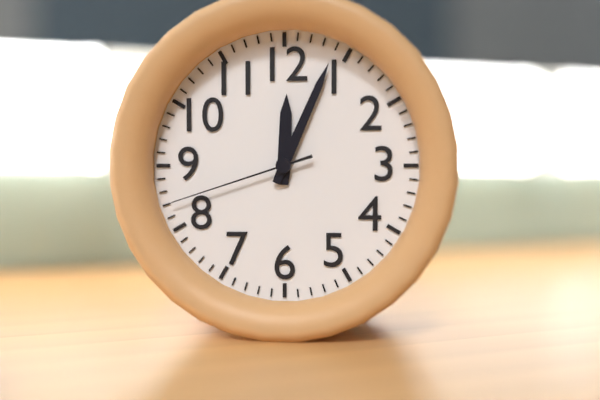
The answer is 12:04:42
